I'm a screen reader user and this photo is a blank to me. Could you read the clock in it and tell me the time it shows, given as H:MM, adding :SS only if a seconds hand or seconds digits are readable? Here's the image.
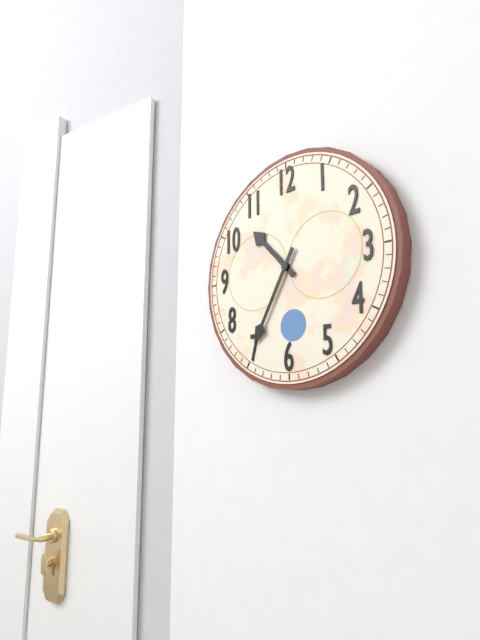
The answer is 10:35
